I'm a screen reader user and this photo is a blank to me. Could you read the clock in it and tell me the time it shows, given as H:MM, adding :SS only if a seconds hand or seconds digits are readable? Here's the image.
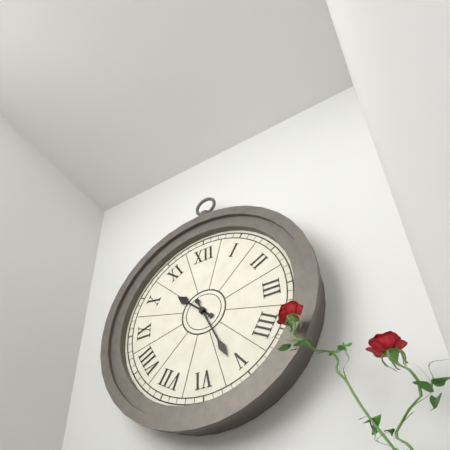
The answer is 10:26
